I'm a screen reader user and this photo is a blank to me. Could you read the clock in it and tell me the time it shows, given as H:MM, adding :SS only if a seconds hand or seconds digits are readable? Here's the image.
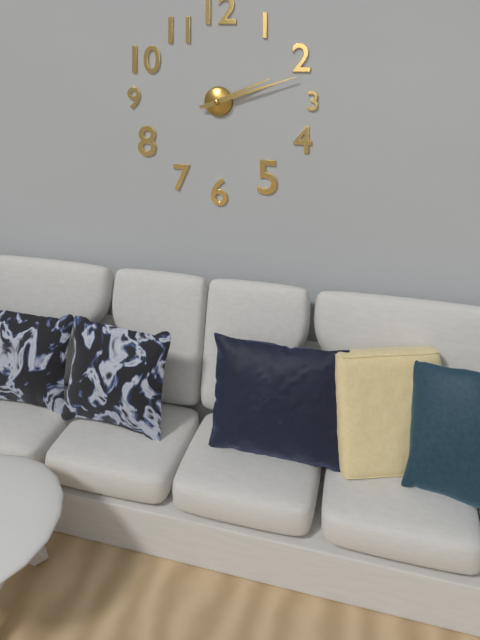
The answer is 2:12
